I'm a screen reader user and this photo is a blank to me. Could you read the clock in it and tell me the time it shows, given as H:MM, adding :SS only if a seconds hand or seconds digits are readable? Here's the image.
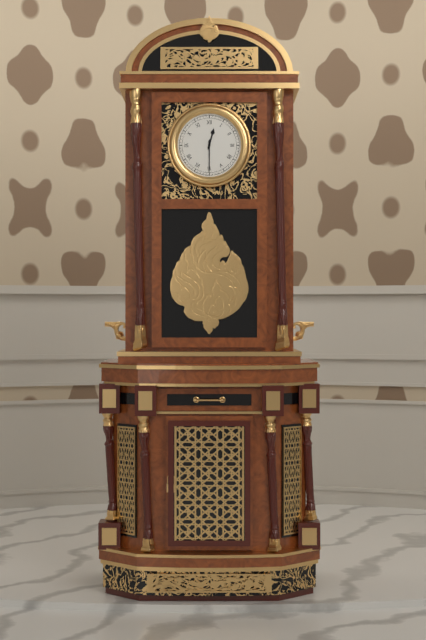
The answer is 12:30
